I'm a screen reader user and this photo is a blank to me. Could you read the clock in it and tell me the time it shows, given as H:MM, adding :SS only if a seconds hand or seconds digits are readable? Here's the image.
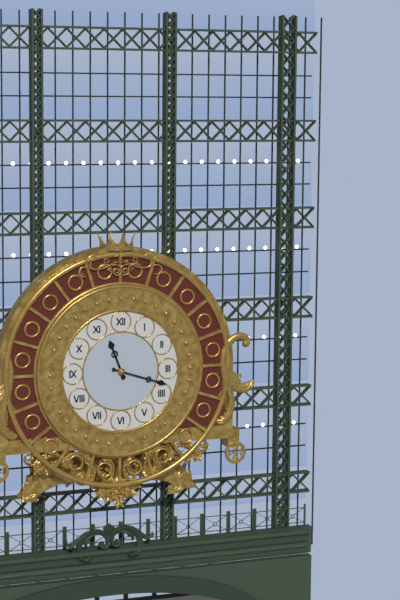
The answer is 11:18
